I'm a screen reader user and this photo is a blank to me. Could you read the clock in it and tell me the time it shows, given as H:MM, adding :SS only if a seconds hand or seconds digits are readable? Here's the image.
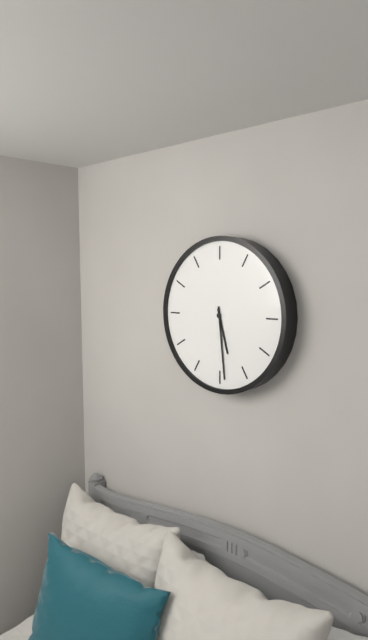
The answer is 5:29
